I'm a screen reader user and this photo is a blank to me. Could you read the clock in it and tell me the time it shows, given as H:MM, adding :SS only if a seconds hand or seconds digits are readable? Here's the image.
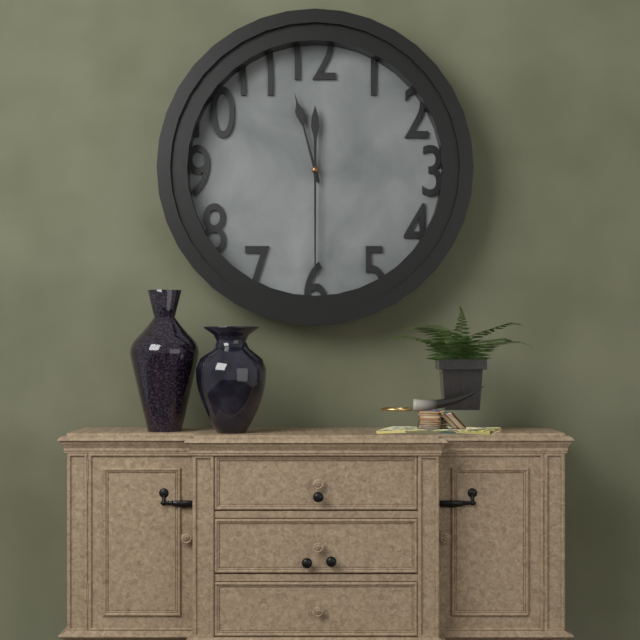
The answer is 11:30
